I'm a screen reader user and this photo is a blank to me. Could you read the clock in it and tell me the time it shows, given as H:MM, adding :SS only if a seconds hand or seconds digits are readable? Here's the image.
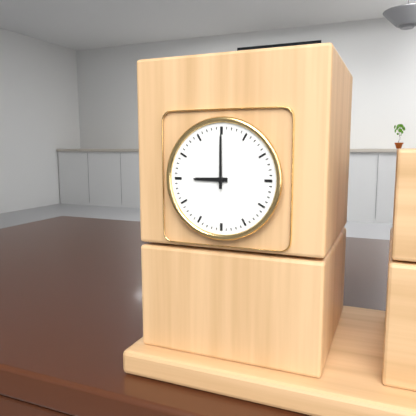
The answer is 9:00
